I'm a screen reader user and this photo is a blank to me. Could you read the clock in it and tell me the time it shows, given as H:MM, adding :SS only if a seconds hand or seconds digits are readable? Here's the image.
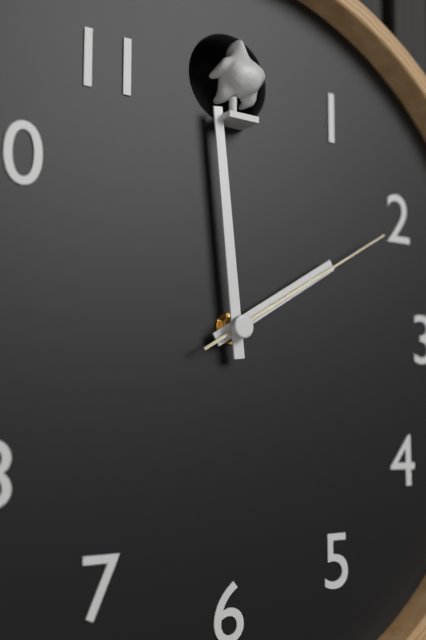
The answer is 1:59:10
